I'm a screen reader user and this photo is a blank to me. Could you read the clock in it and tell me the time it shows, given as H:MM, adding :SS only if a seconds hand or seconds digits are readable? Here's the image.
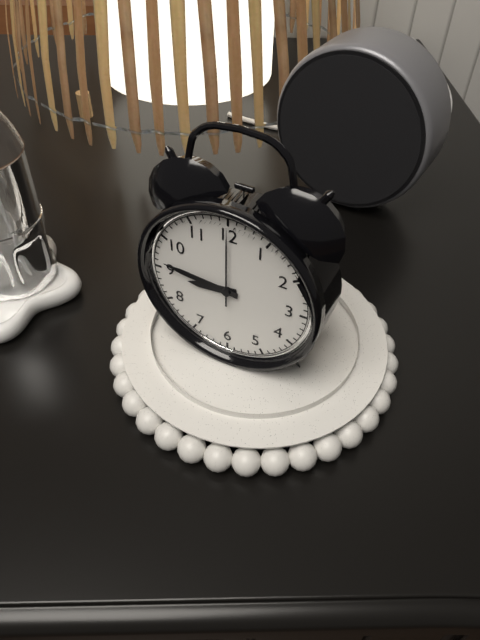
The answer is 8:46:00
